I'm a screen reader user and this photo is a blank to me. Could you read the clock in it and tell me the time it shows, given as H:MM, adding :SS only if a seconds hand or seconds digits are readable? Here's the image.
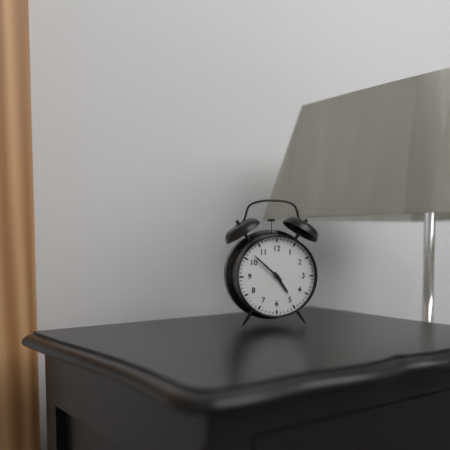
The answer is 4:52
